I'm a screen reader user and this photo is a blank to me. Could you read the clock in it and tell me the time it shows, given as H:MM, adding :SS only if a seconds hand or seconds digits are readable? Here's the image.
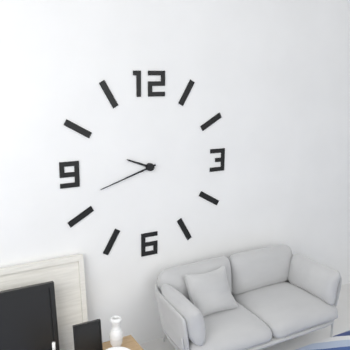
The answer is 9:42
